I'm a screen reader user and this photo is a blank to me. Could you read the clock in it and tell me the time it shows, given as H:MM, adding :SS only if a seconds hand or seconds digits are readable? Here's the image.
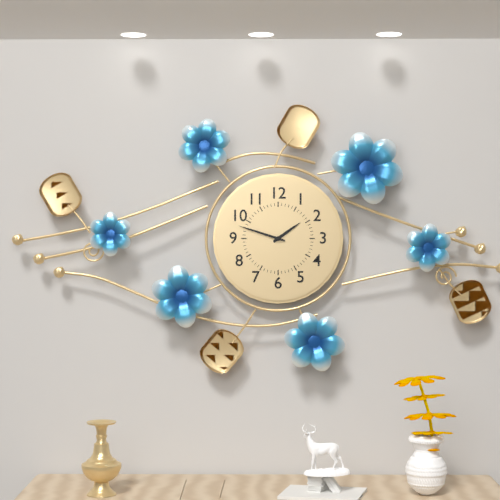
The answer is 1:48
